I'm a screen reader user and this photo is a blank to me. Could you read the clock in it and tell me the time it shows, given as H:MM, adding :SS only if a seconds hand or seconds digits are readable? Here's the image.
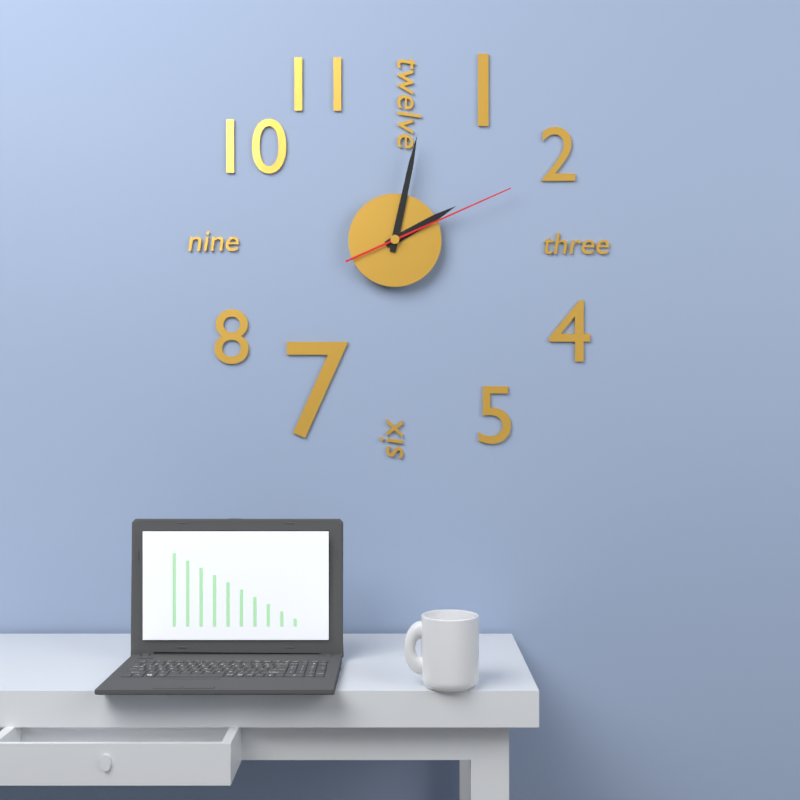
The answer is 2:02:11
